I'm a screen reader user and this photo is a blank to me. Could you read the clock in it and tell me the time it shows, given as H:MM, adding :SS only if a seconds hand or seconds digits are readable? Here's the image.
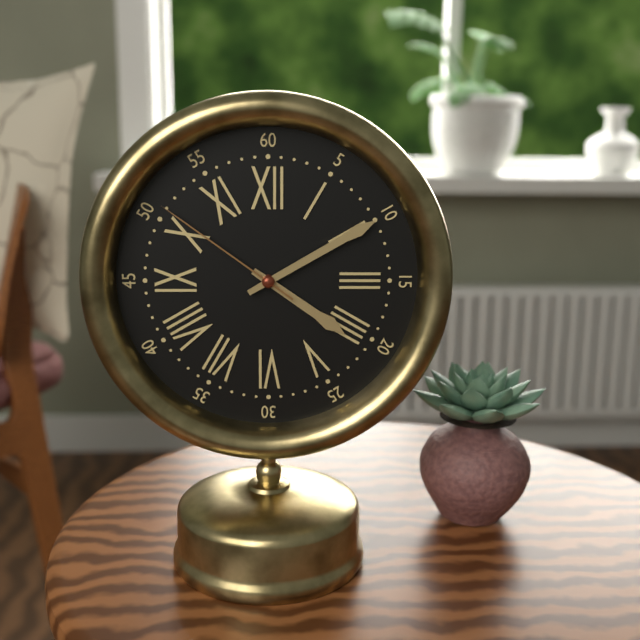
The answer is 4:10:51
